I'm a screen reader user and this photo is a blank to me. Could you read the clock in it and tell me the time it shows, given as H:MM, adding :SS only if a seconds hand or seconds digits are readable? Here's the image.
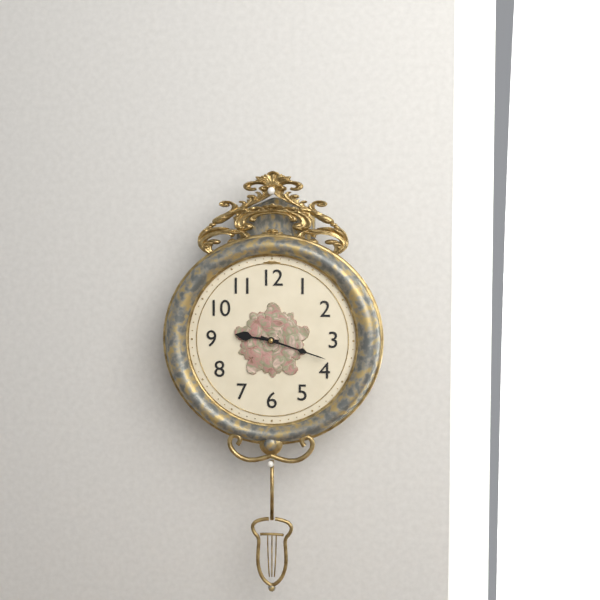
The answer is 9:18
